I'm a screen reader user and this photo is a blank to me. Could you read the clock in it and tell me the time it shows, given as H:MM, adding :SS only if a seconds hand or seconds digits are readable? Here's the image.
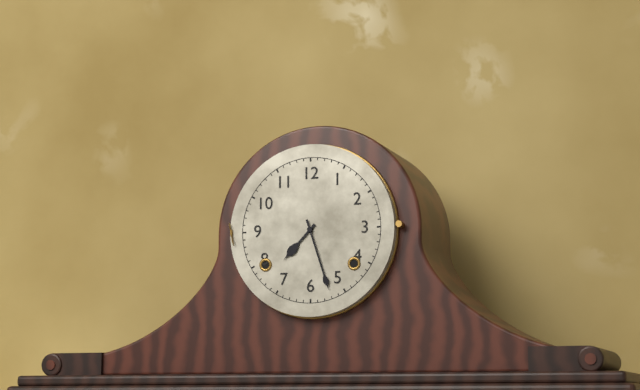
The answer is 7:27
